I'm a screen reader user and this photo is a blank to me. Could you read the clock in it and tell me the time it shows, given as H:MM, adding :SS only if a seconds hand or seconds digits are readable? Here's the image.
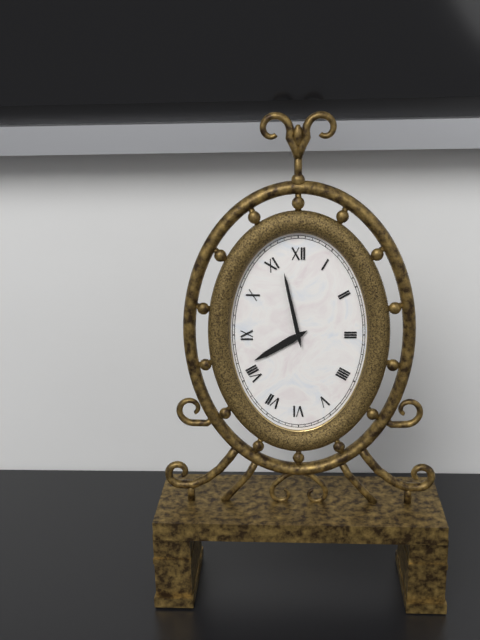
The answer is 7:58
